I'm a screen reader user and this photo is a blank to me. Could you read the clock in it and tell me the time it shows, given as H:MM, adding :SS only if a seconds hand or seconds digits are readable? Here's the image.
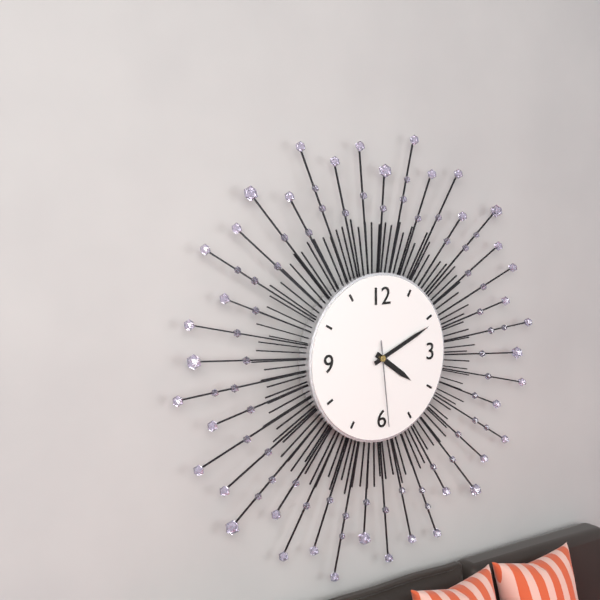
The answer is 4:11:29
